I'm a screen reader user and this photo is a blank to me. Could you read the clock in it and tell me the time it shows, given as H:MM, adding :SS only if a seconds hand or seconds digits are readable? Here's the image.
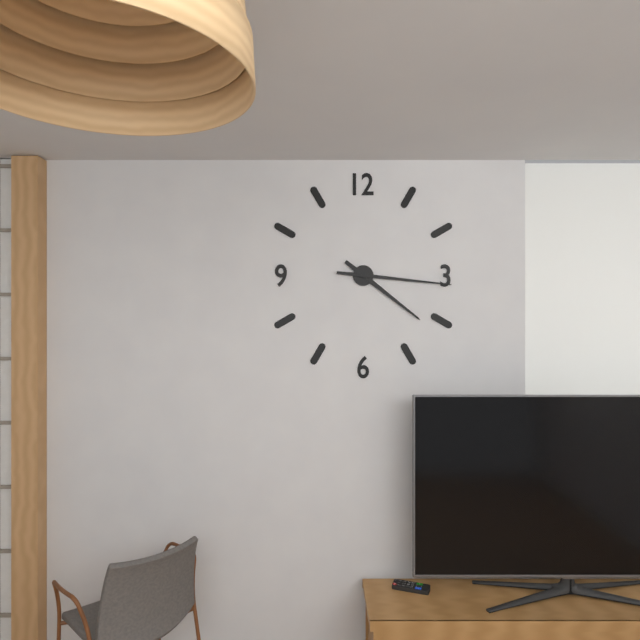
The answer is 4:16
